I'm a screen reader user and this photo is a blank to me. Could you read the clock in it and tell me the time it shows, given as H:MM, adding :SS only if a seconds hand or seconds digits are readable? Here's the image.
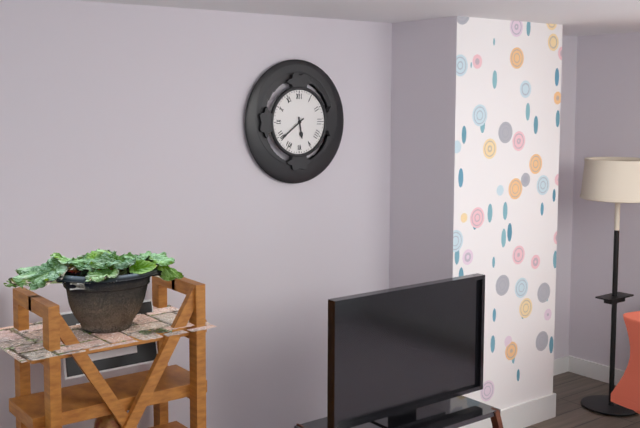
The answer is 5:39
